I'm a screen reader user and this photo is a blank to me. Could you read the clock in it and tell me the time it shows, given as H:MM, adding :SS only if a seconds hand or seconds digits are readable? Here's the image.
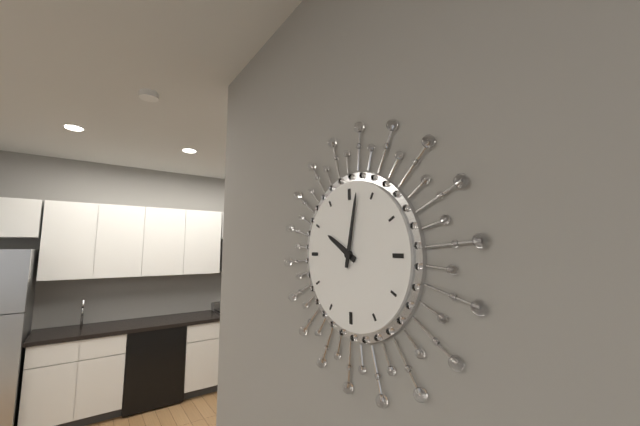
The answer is 10:02
